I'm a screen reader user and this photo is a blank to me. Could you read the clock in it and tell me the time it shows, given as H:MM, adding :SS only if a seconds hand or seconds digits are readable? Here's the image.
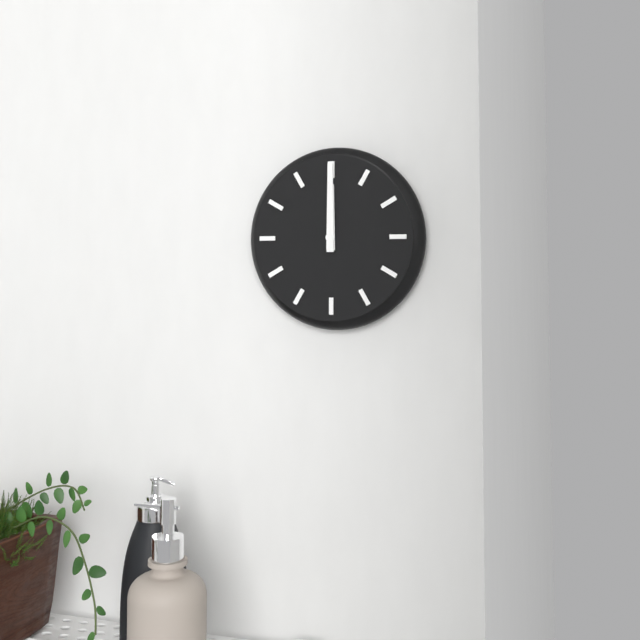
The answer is 12:00
